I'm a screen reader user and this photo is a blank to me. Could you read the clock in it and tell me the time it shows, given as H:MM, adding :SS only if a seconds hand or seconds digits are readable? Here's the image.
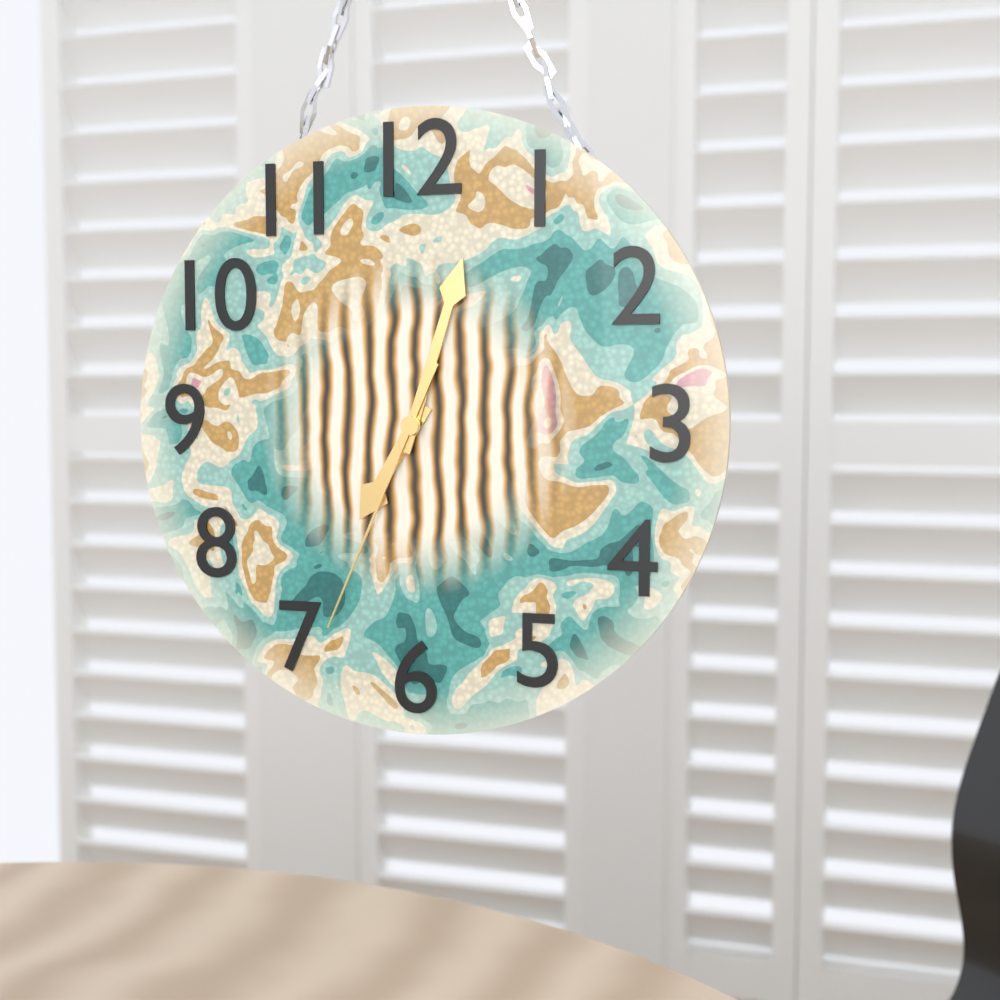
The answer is 7:03:34
